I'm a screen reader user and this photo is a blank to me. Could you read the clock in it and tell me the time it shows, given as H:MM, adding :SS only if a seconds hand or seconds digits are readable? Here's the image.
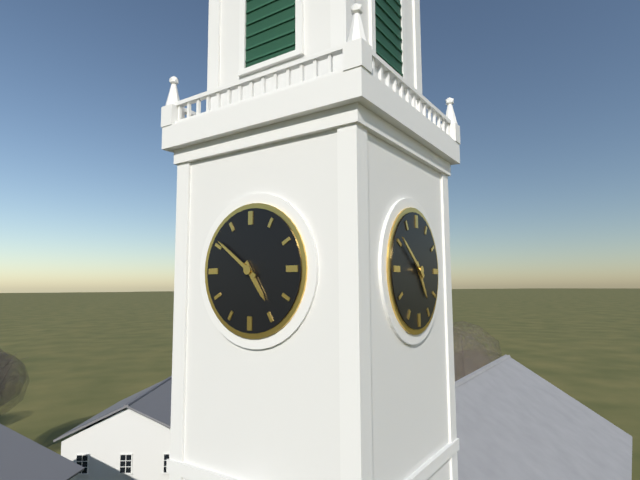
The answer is 4:51
